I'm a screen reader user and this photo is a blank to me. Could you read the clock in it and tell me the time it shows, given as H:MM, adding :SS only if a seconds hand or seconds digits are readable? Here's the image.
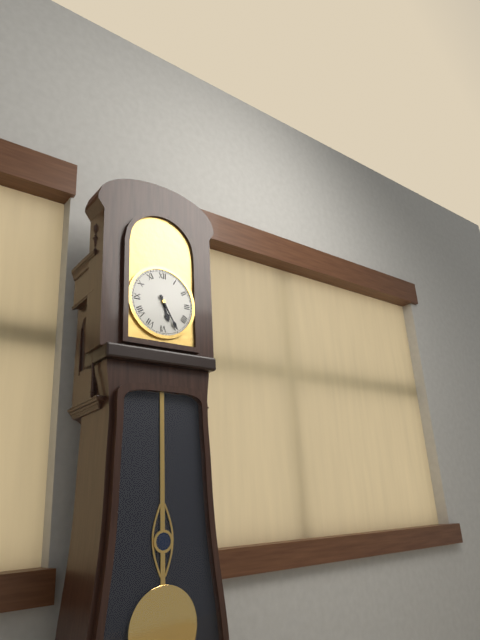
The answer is 5:25
